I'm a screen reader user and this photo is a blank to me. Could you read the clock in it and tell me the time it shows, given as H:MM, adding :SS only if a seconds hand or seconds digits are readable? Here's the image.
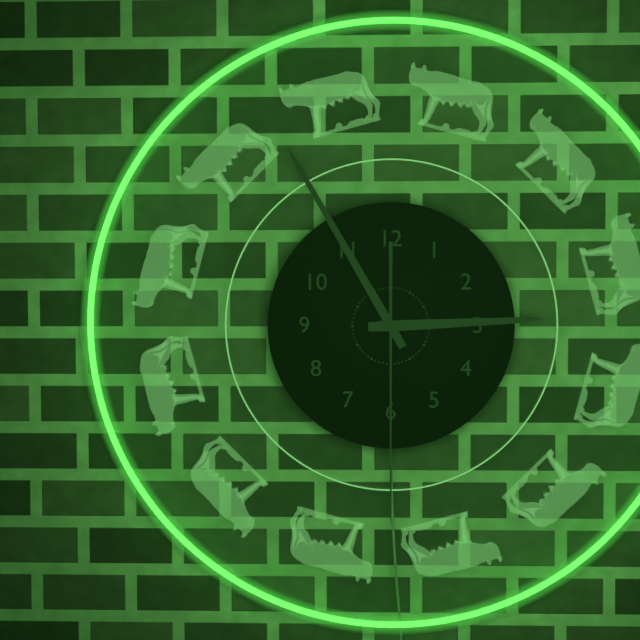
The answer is 2:55:30
